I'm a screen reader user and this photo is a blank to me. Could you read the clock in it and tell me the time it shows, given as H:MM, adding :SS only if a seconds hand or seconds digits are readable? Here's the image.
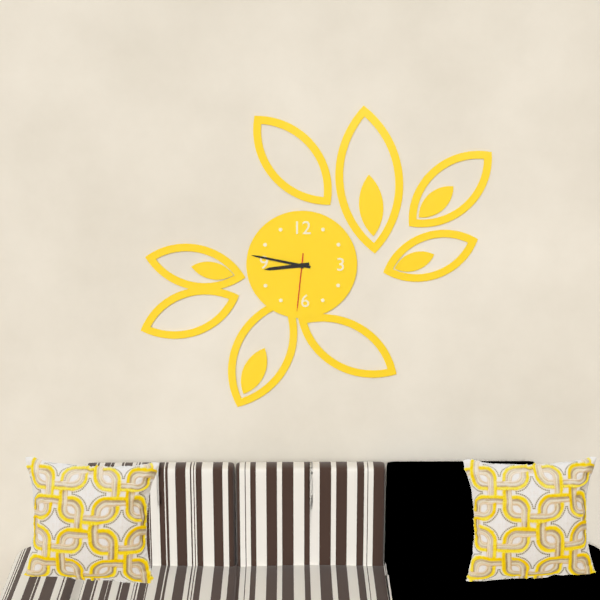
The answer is 8:47:31
